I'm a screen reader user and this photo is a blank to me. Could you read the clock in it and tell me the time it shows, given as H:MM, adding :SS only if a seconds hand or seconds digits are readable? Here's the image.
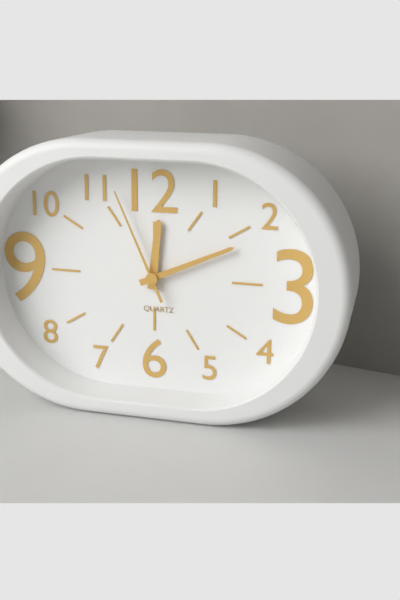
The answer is 12:11:56
